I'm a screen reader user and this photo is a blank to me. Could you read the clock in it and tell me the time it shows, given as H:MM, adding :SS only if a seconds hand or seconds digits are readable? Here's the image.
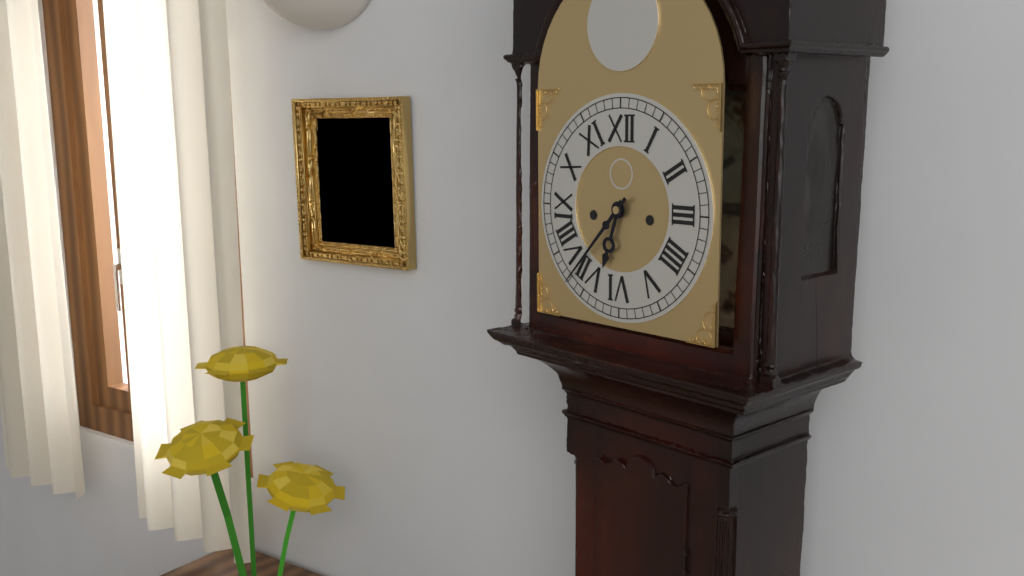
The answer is 6:37
